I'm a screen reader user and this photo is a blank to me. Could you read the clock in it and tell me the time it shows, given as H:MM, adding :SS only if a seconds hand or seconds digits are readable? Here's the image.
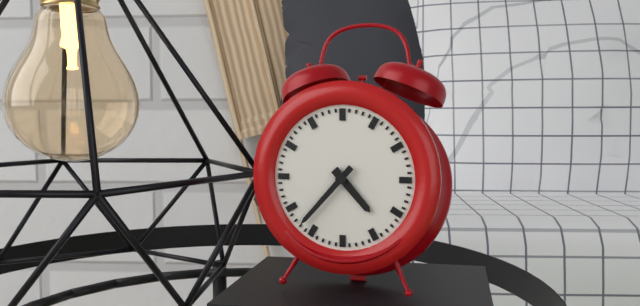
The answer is 4:37
